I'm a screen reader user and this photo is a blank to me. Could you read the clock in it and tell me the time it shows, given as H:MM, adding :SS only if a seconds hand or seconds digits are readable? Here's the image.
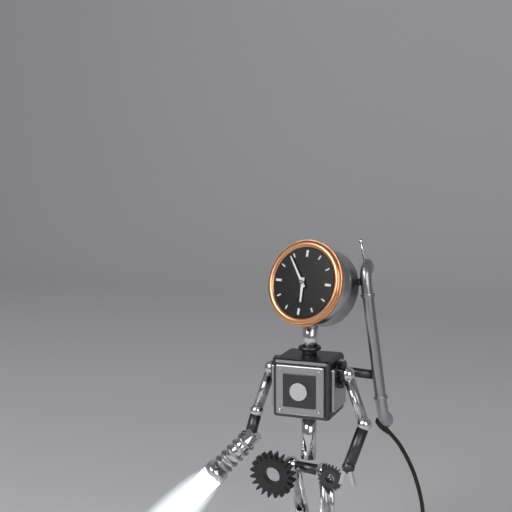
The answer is 5:54
